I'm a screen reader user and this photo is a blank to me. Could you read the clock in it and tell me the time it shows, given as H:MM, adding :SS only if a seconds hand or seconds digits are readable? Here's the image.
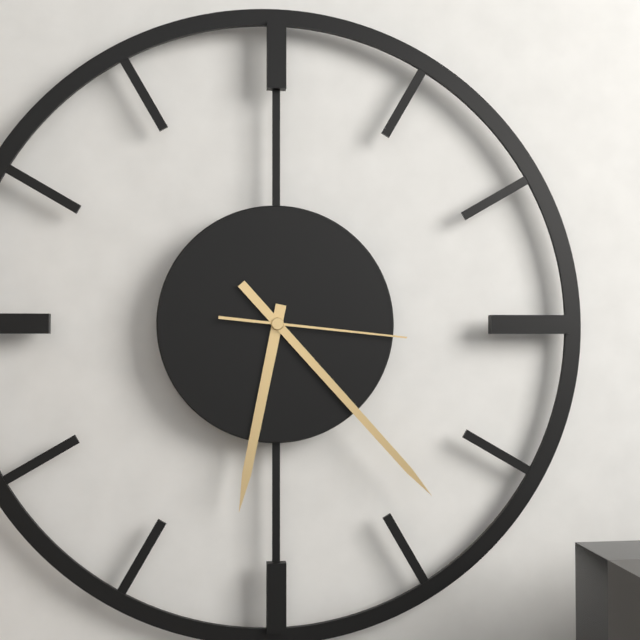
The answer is 6:23:16
